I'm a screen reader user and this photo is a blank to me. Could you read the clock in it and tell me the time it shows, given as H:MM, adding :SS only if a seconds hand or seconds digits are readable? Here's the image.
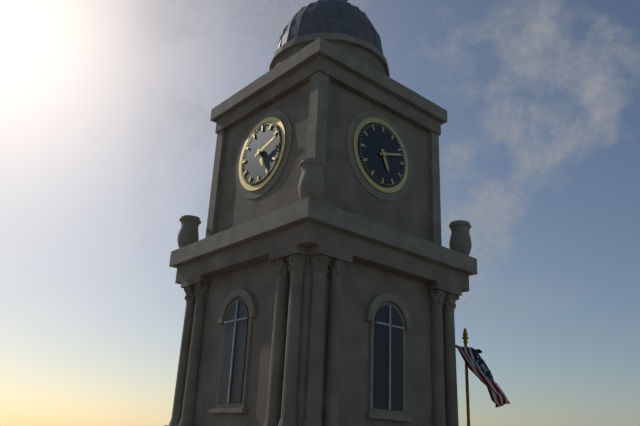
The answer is 5:12
